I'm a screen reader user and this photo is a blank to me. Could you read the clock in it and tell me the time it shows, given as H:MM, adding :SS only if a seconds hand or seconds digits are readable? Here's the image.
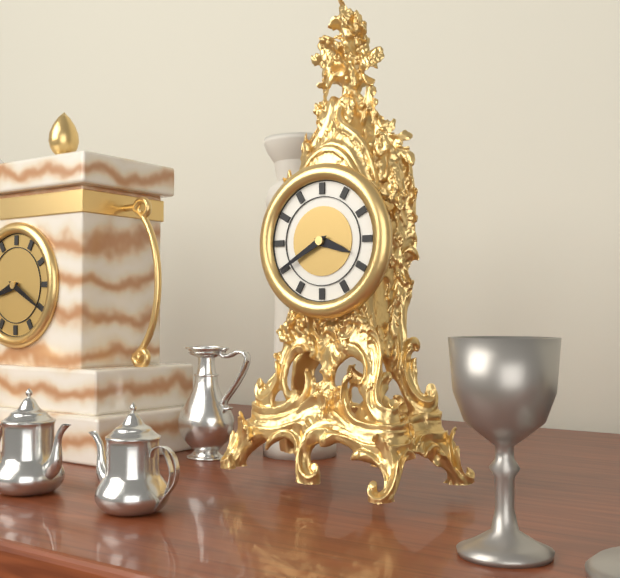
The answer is 3:40
